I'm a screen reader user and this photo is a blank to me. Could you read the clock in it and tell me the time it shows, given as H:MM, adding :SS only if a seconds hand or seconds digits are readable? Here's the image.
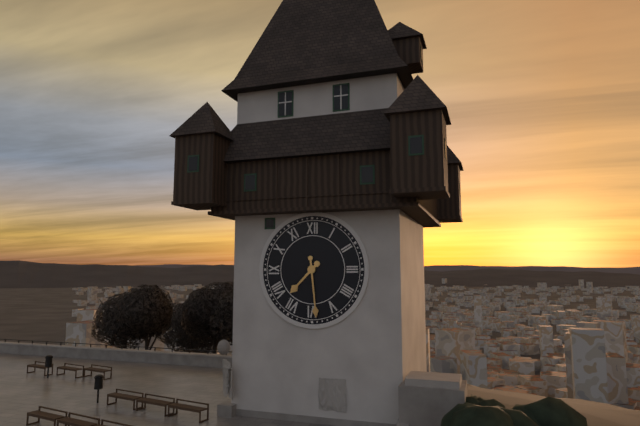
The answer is 7:29
